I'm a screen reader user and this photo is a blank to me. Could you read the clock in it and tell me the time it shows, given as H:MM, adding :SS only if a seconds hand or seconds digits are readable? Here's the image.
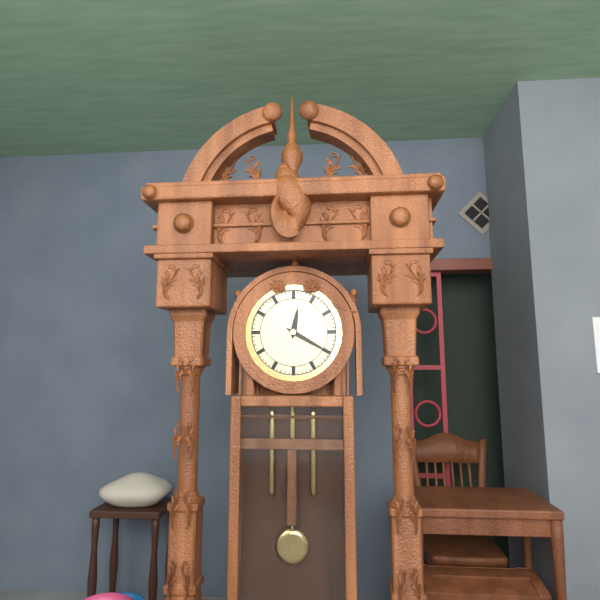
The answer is 12:20
